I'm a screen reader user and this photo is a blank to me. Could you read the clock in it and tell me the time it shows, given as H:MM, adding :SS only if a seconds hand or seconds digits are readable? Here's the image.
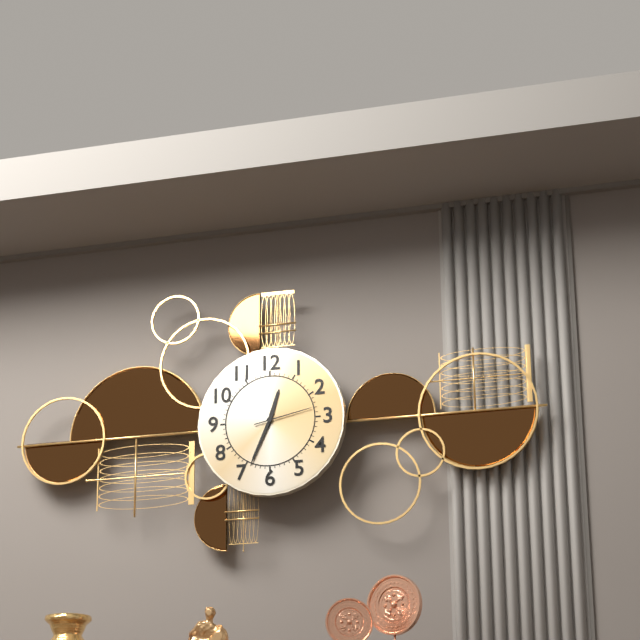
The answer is 12:34:13
